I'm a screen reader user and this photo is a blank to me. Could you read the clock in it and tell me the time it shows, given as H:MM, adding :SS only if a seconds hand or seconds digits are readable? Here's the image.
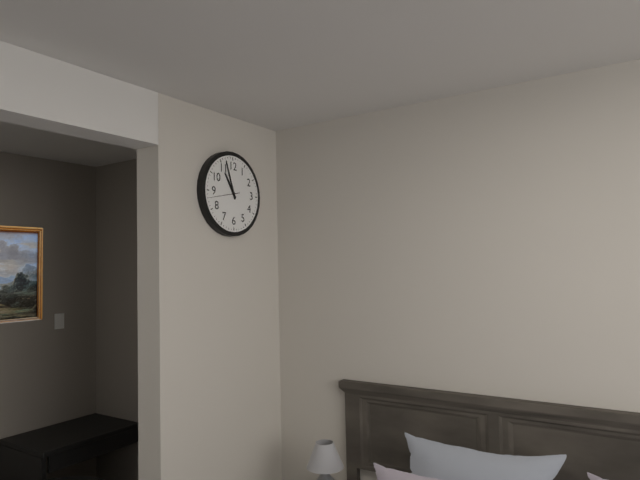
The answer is 10:57
